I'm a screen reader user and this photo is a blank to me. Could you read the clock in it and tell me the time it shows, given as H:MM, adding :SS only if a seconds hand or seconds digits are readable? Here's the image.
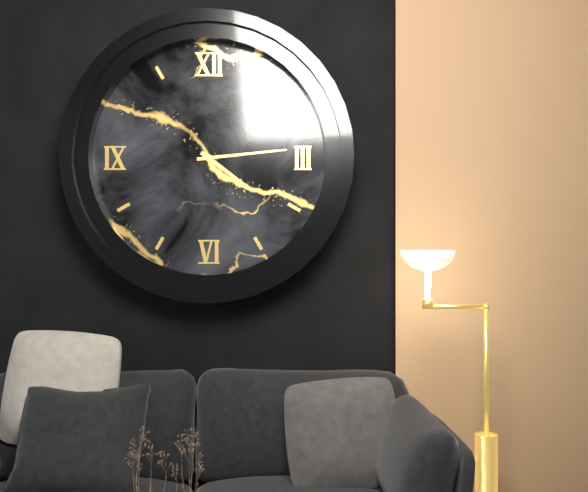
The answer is 4:14
